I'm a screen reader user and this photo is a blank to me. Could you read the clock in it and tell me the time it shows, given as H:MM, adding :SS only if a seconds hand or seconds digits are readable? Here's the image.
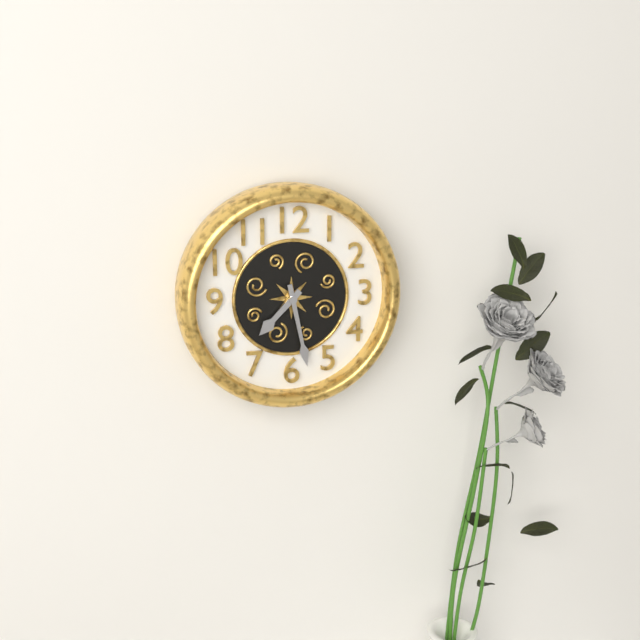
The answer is 7:28
